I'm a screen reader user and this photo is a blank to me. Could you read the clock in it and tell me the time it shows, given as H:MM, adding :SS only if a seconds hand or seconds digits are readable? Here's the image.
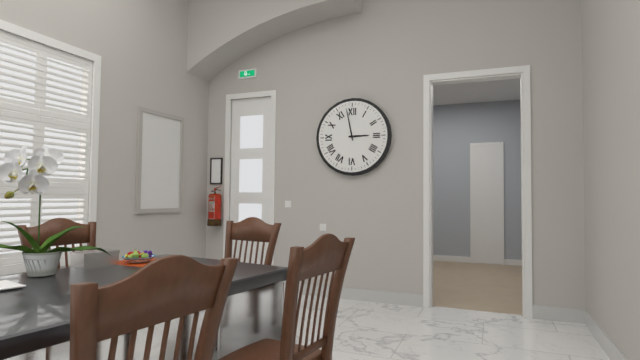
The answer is 2:58
